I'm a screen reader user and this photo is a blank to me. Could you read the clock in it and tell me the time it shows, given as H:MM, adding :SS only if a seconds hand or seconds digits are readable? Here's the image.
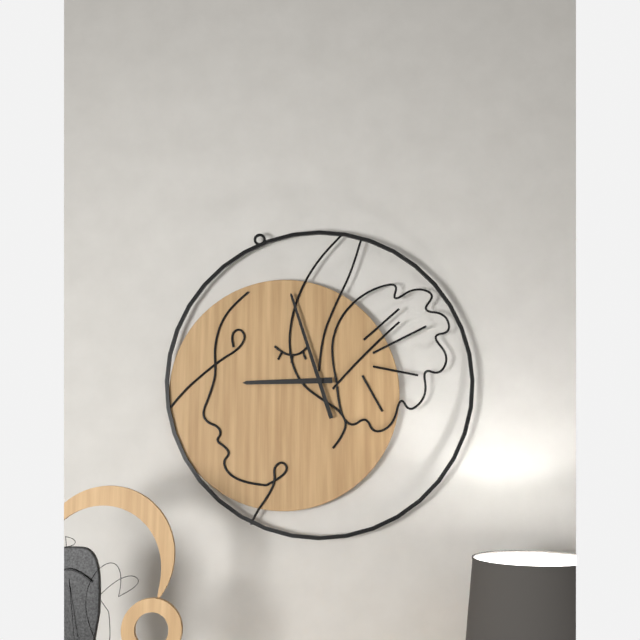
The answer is 8:57
